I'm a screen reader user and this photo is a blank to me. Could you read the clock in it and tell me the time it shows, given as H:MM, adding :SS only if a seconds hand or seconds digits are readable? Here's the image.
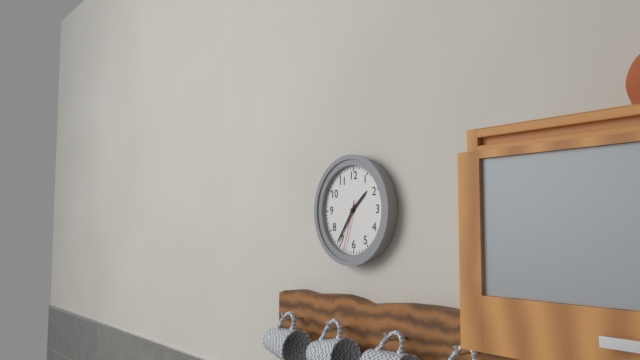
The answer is 1:36:33
